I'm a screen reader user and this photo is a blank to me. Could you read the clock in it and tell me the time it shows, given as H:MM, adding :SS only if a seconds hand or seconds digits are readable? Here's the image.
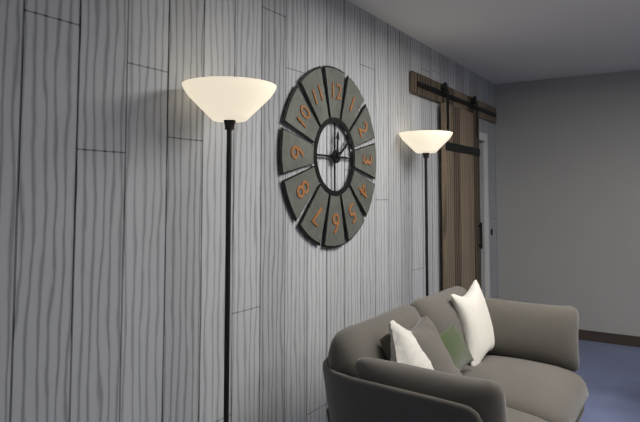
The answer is 12:09
